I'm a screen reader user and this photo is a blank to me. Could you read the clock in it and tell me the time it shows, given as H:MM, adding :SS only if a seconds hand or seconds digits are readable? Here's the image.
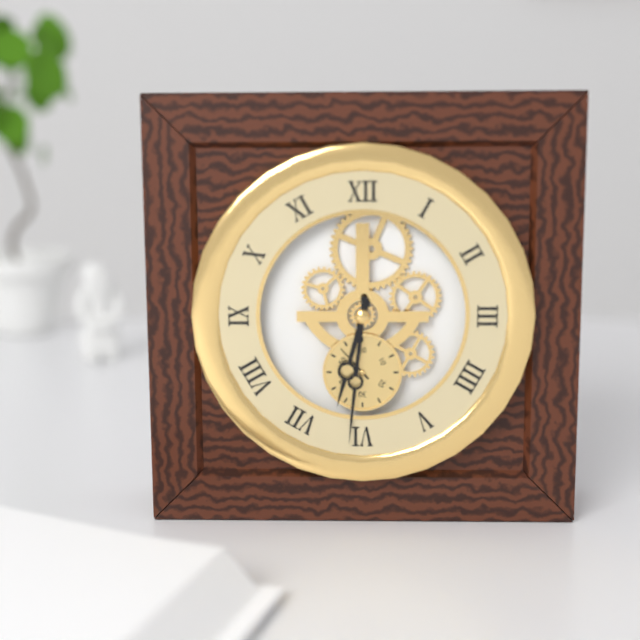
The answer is 6:31
